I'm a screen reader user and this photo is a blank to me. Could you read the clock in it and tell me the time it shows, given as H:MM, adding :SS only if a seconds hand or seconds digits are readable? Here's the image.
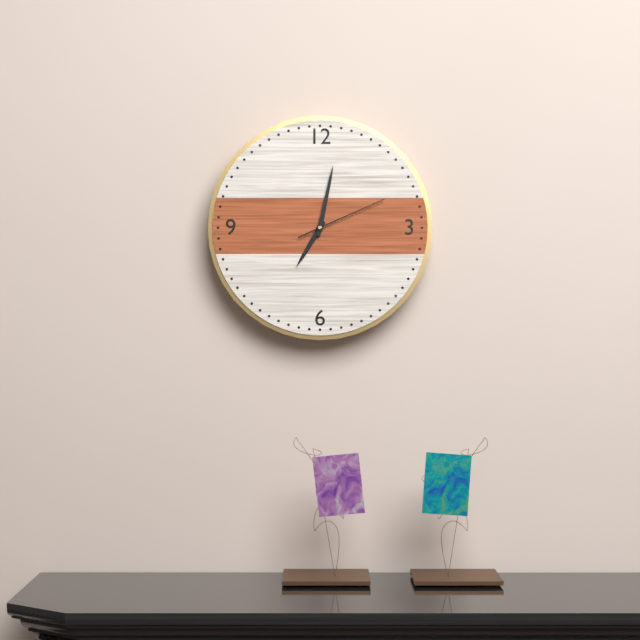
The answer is 7:02:11
